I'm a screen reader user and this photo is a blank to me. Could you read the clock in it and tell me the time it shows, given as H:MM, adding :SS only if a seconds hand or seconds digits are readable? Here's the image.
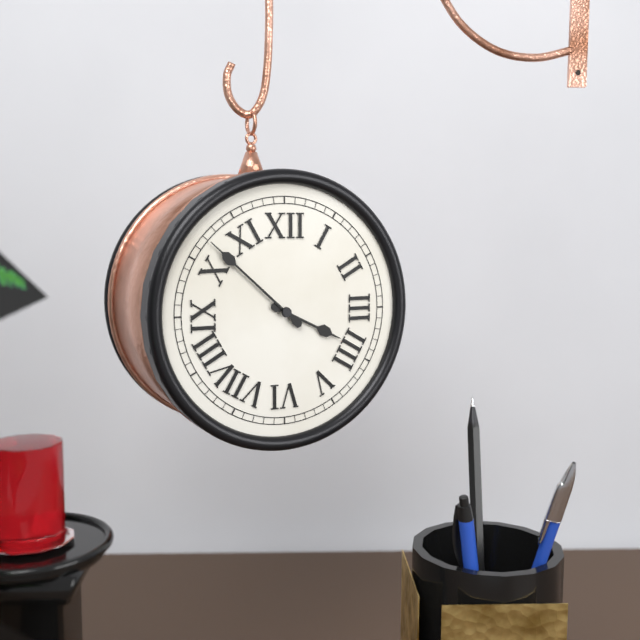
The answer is 3:52
